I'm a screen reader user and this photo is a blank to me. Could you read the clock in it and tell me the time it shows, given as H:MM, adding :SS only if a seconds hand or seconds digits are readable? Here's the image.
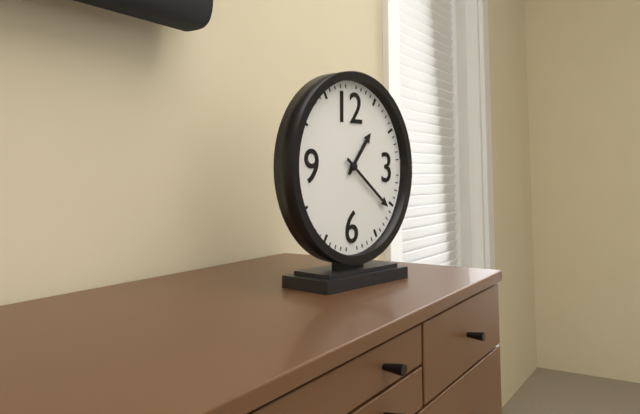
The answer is 1:21
